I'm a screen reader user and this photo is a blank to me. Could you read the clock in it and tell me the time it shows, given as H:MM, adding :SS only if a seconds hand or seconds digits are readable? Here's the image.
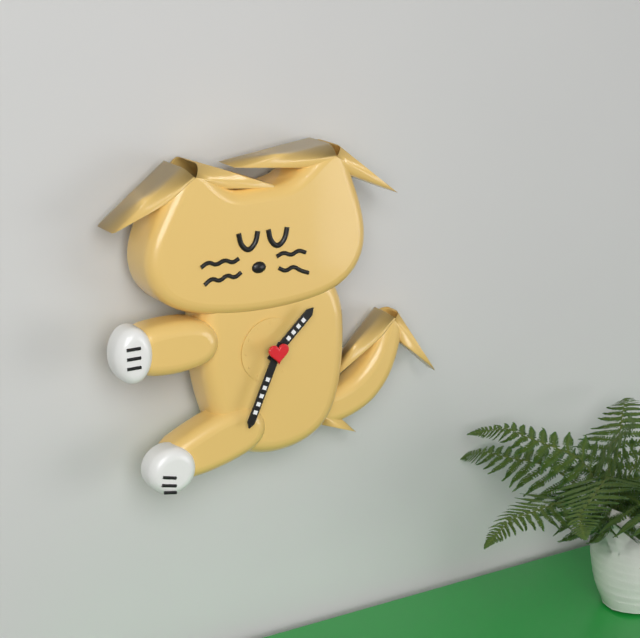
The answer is 1:34
